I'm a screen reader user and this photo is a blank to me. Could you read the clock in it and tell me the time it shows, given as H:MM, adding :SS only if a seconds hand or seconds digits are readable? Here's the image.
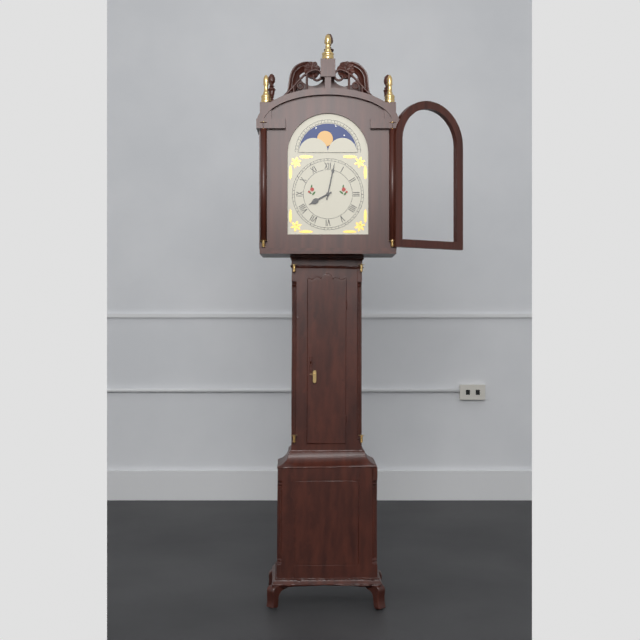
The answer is 8:02
